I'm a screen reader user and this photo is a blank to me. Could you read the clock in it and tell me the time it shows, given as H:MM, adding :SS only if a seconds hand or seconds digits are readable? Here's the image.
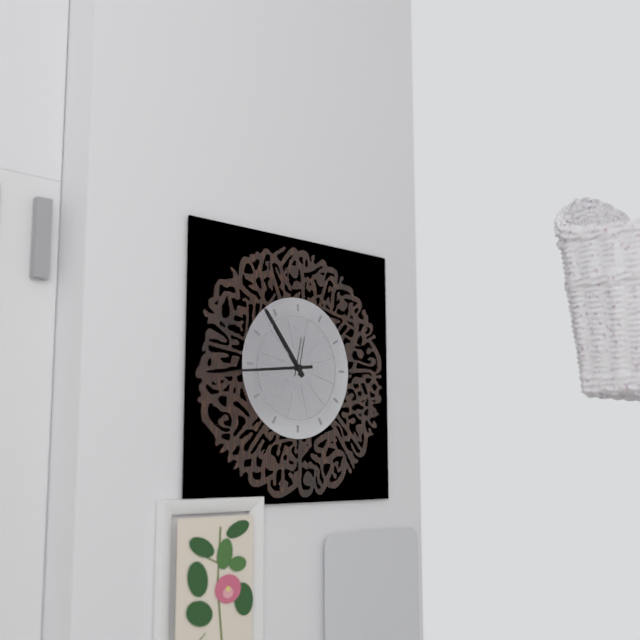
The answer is 10:44
